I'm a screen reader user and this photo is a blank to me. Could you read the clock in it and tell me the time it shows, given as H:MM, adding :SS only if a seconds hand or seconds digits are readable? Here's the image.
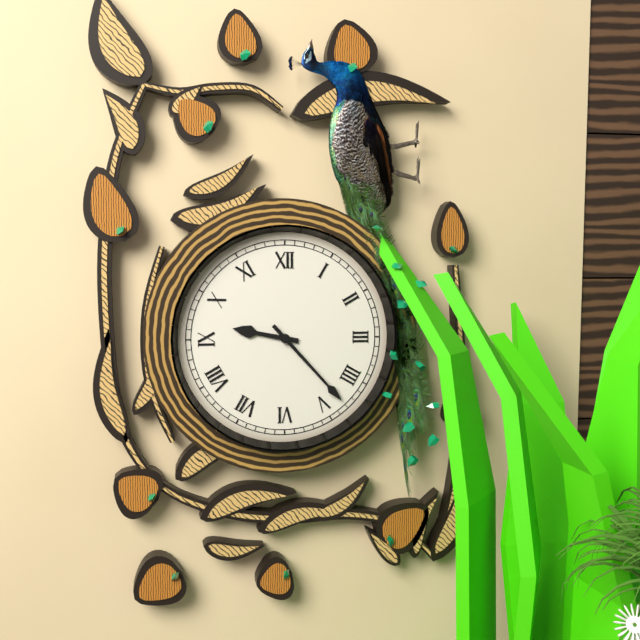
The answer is 9:23
